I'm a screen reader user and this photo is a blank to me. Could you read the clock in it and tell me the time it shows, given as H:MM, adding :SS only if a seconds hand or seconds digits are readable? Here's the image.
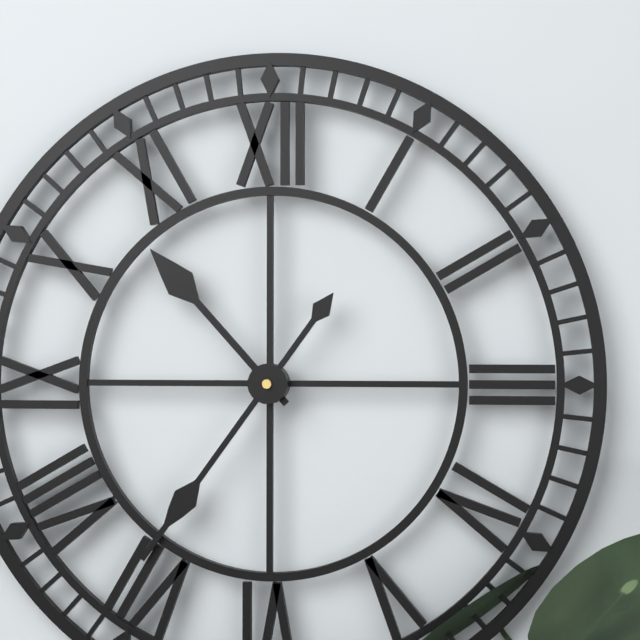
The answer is 10:36
